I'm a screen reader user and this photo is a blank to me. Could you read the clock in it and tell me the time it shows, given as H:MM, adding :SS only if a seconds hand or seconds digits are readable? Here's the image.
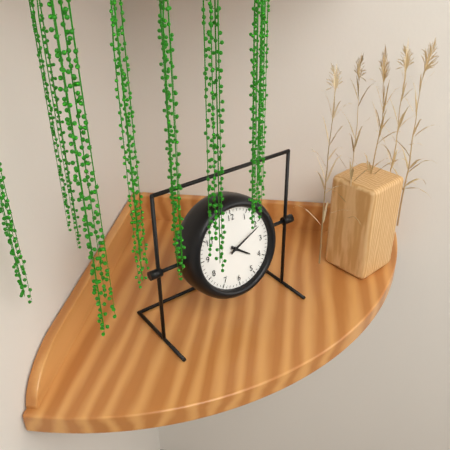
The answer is 4:11
